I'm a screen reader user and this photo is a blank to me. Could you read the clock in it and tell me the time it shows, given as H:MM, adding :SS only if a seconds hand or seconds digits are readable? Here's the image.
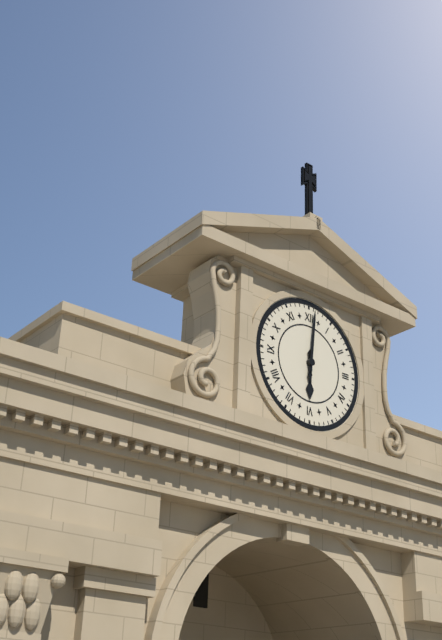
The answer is 6:01
